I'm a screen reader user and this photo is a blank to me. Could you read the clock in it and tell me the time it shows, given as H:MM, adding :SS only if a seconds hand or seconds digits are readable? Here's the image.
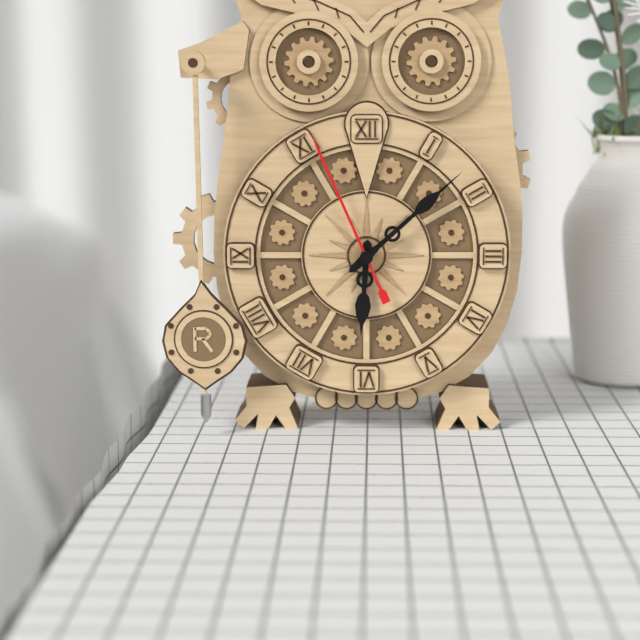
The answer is 6:08:56
